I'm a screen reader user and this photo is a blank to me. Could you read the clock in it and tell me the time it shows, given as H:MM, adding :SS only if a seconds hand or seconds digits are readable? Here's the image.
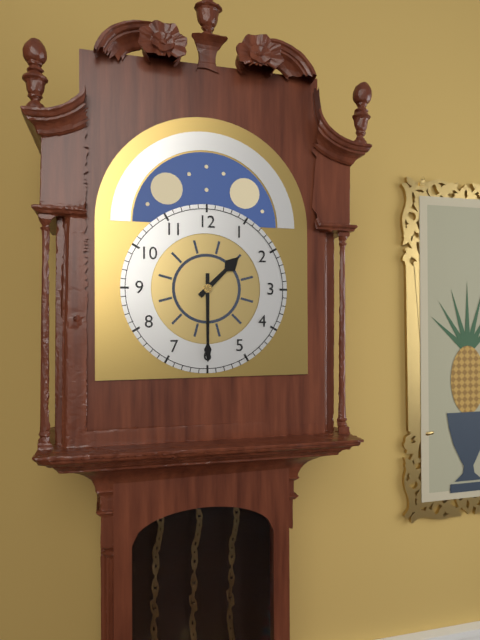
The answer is 1:30
